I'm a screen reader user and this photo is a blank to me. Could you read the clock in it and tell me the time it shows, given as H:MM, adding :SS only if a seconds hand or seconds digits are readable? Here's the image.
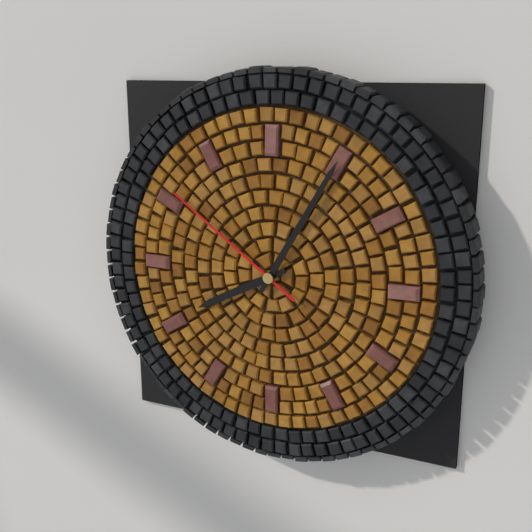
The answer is 8:05:51
